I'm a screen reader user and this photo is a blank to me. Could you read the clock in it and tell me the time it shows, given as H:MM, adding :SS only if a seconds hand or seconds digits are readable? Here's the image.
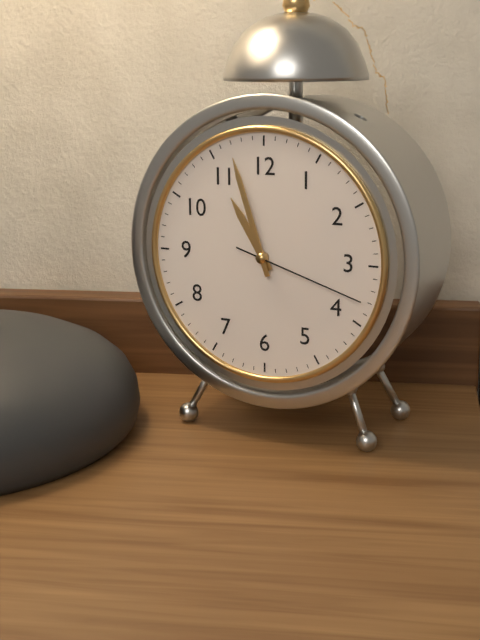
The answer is 10:57:18
